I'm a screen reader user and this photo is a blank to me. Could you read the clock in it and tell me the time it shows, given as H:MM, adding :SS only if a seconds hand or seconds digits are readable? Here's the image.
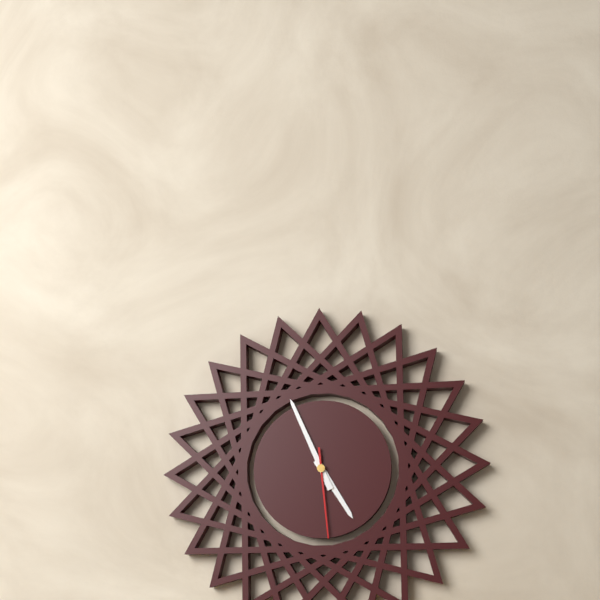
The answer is 4:56:29
